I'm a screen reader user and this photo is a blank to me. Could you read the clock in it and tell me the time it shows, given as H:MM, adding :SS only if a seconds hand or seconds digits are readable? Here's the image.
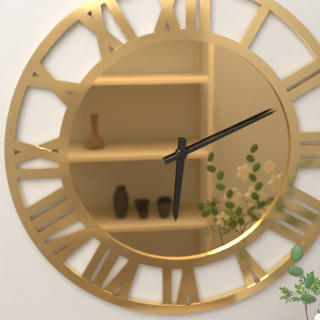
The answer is 6:11
